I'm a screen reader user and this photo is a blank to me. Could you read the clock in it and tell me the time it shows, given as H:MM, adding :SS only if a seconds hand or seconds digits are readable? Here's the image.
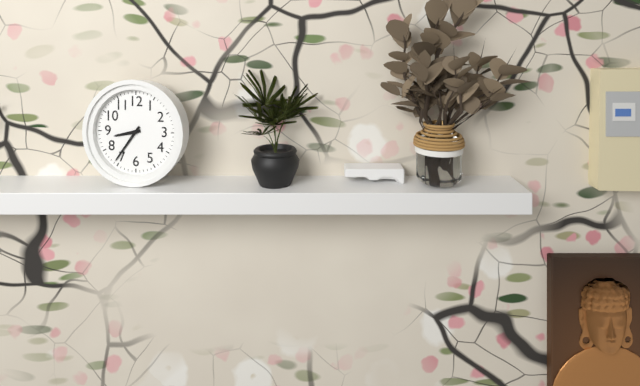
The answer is 8:36
